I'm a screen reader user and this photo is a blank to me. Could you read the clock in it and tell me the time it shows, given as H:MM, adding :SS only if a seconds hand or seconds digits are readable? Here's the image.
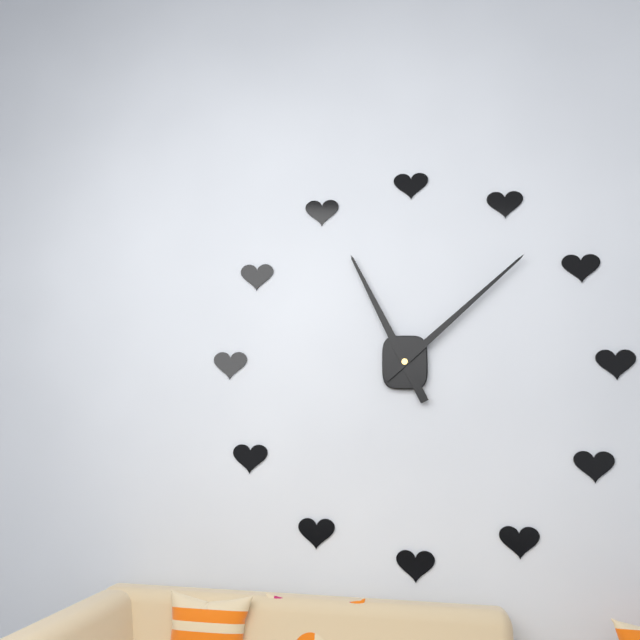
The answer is 11:08
